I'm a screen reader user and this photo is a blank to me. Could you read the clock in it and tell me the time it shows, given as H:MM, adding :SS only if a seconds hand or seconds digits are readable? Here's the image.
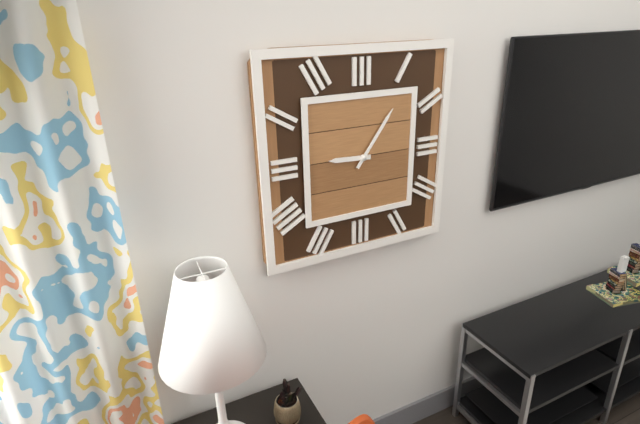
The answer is 9:06
